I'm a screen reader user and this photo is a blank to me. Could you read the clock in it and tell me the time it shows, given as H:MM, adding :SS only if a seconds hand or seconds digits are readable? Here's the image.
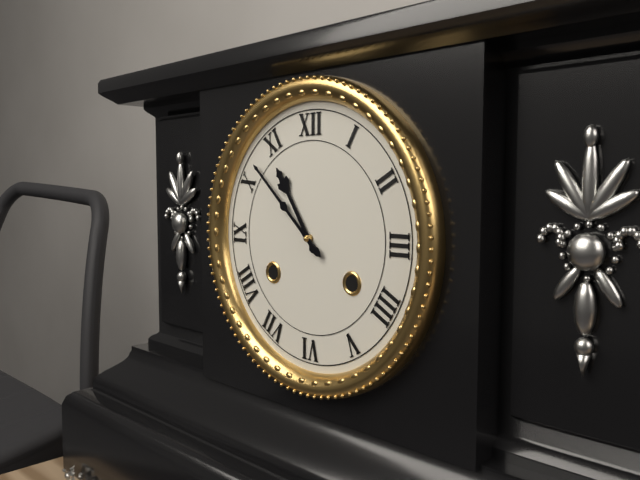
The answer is 10:52
